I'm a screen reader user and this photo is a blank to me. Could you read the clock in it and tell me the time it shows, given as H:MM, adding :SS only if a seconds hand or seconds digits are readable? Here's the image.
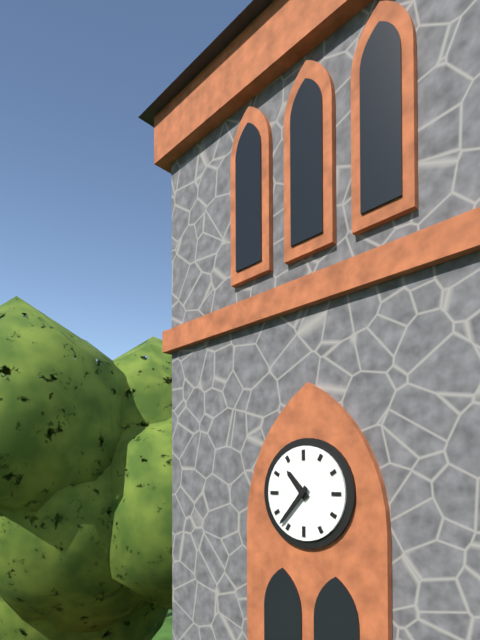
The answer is 10:37
